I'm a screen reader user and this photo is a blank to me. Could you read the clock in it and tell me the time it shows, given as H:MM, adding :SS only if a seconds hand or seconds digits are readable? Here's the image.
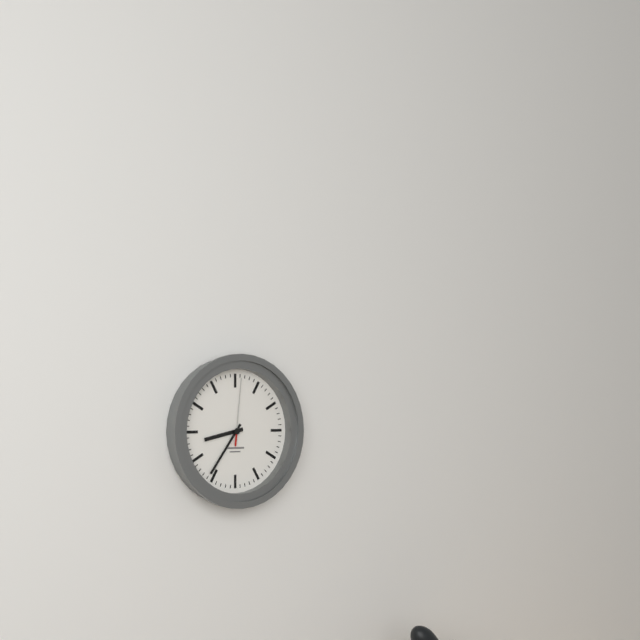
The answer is 8:36:01
